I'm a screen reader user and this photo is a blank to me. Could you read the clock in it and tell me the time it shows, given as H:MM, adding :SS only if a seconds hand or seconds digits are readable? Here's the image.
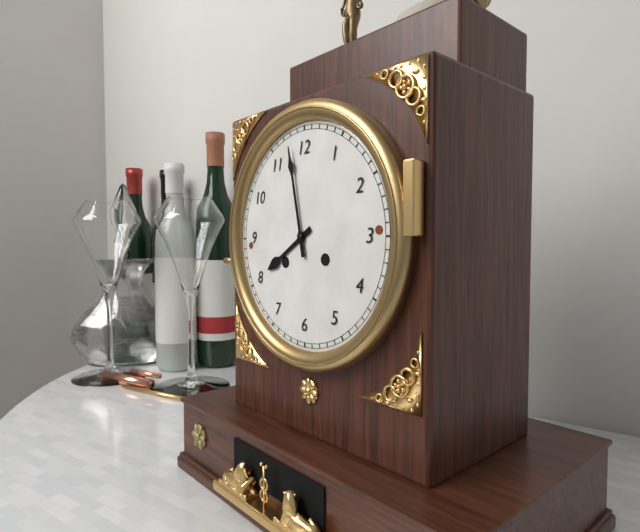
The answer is 7:58
